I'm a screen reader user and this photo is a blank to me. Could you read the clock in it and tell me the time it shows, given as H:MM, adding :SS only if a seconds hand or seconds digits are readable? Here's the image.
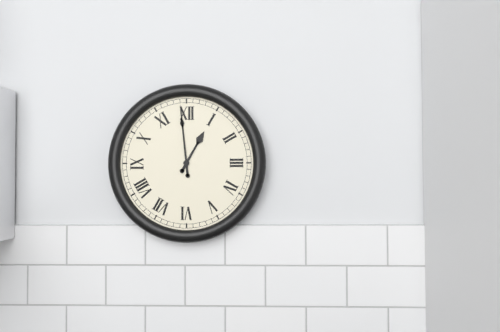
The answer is 12:59
